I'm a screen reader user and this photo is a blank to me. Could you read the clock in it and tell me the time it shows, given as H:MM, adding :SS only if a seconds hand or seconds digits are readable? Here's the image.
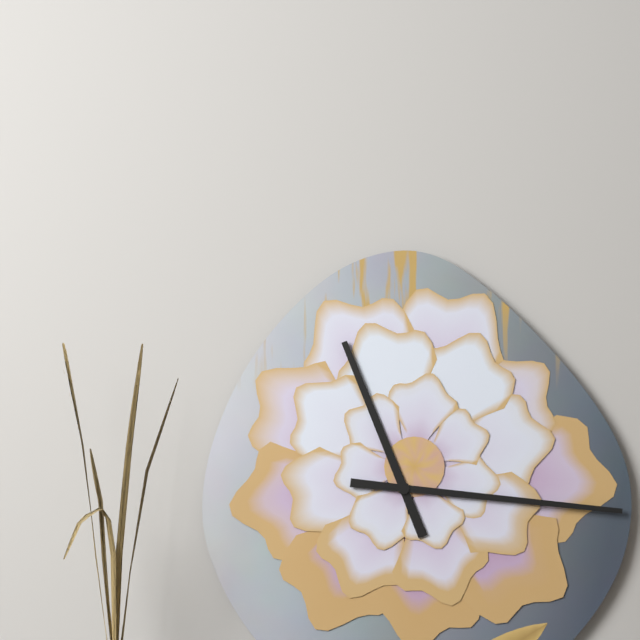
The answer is 11:16
